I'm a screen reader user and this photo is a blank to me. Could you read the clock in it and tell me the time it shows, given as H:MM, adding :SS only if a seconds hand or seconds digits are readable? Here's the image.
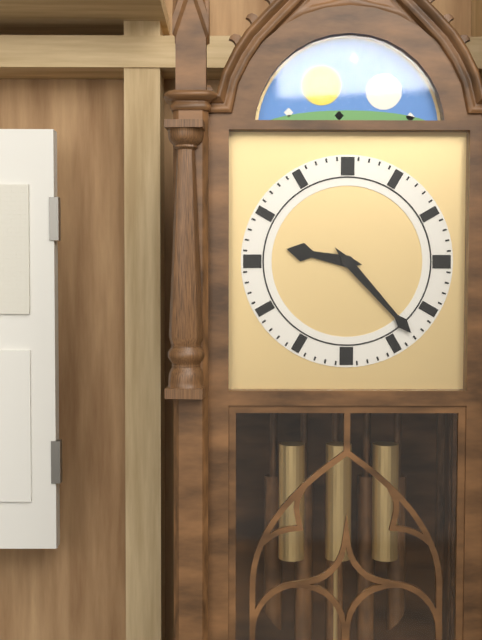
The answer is 9:23
